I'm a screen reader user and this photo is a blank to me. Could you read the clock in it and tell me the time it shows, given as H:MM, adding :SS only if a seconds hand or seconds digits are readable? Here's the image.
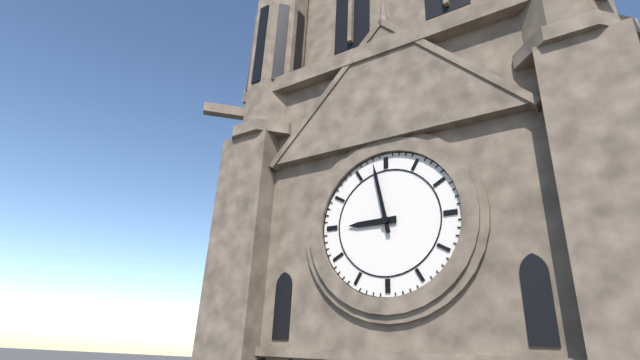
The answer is 8:58
